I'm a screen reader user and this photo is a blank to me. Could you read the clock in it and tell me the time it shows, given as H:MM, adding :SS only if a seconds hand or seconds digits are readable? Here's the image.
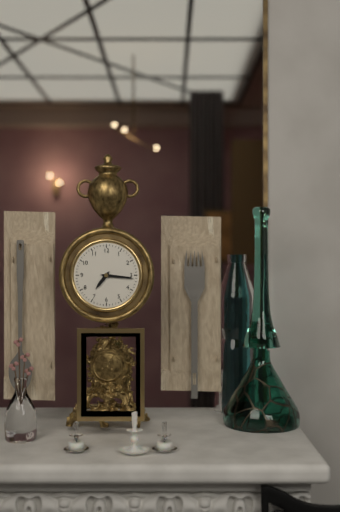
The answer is 7:16
